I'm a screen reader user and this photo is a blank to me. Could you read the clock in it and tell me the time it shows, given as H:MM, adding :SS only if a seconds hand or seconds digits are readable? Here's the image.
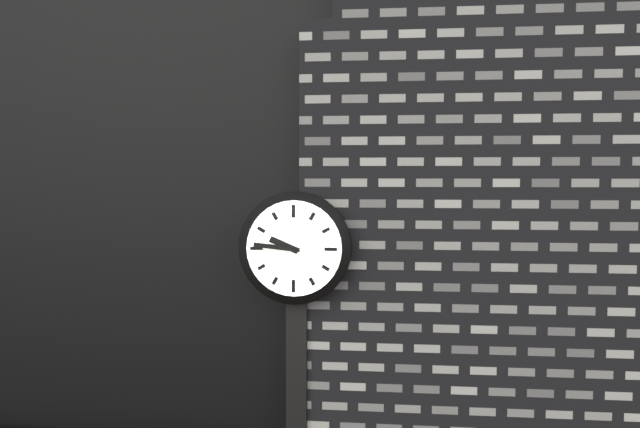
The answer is 9:46
